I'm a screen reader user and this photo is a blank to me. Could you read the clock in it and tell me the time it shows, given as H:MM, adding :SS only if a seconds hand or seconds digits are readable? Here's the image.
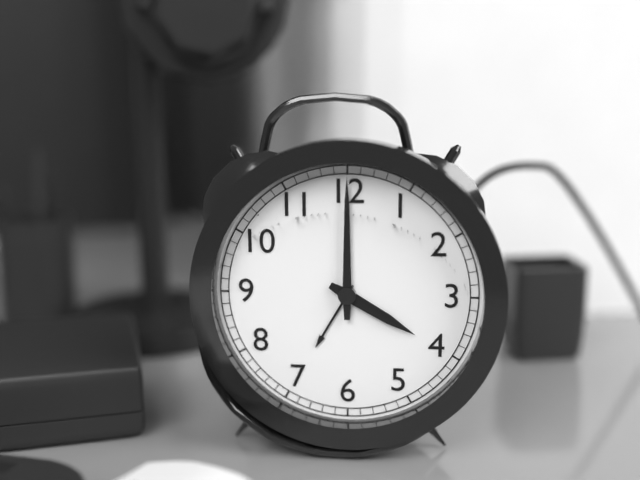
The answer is 4:00
